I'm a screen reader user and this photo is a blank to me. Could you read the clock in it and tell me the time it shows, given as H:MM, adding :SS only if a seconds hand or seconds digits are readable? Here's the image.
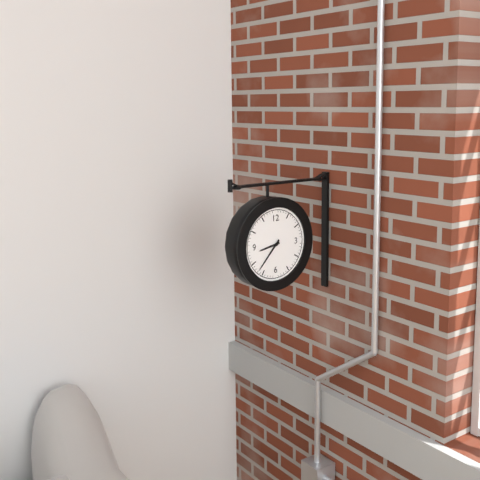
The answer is 8:37
